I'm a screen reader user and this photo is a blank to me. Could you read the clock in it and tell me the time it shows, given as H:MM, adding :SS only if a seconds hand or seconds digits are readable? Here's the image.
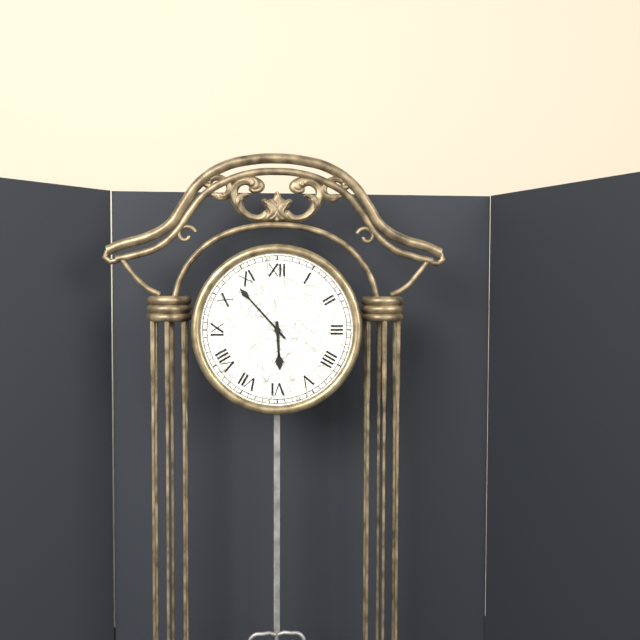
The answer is 5:53
